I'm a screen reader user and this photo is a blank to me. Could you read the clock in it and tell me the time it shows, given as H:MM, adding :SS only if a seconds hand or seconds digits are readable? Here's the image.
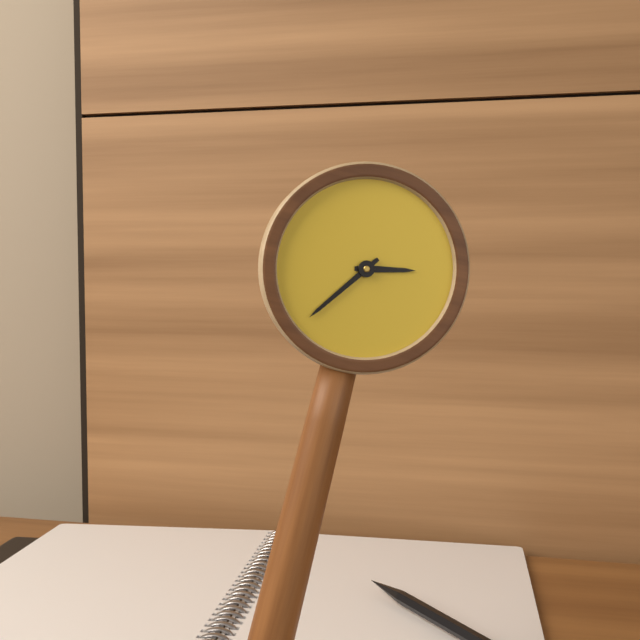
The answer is 2:36
